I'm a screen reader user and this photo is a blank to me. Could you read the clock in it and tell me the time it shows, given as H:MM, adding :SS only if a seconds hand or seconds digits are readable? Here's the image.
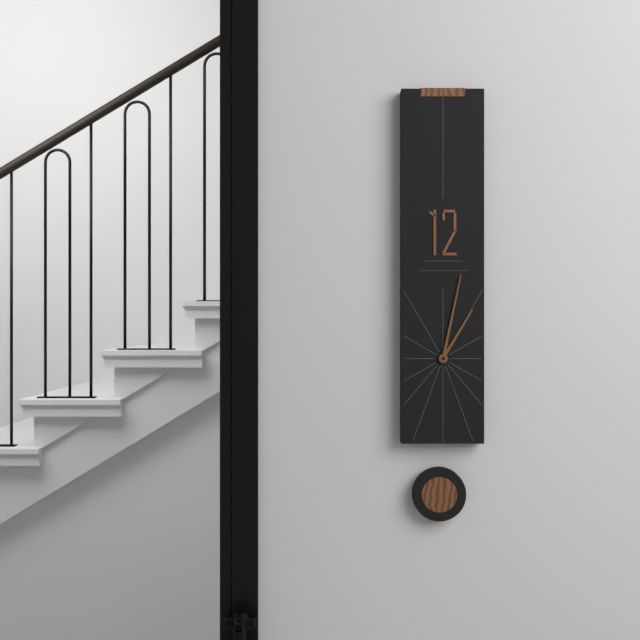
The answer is 1:02
